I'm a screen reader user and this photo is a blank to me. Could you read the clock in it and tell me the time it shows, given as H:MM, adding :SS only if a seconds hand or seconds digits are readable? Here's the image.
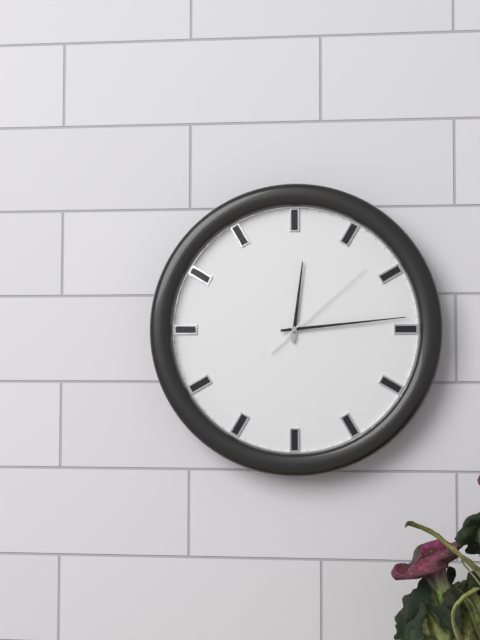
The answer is 12:14:08
